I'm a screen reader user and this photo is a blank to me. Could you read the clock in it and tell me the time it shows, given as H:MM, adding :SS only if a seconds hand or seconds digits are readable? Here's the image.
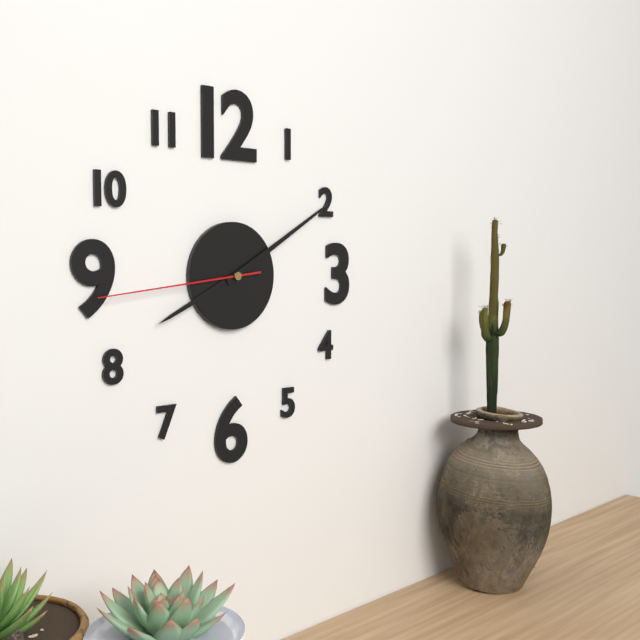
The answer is 8:10:44
